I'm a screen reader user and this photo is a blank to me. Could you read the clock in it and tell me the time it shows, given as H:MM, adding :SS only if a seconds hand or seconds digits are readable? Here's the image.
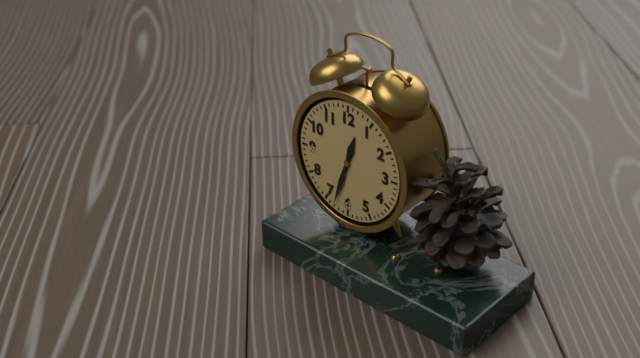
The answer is 12:33
